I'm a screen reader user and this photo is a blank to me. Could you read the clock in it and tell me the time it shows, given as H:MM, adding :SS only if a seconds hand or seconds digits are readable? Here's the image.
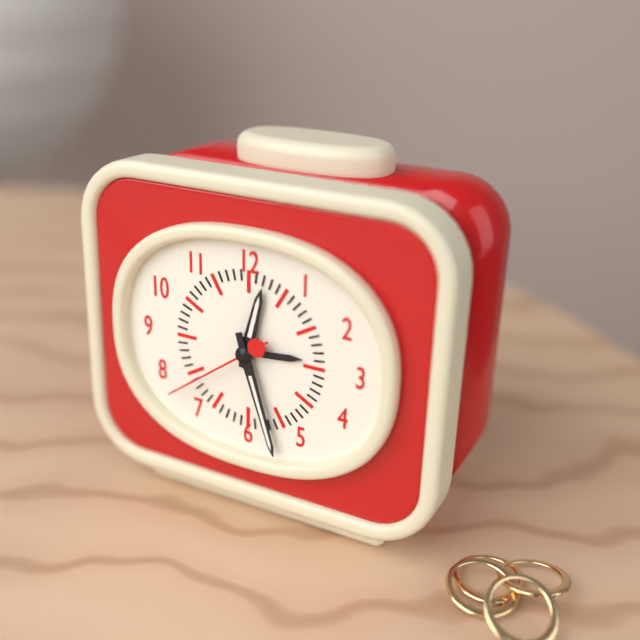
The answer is 12:27:39
